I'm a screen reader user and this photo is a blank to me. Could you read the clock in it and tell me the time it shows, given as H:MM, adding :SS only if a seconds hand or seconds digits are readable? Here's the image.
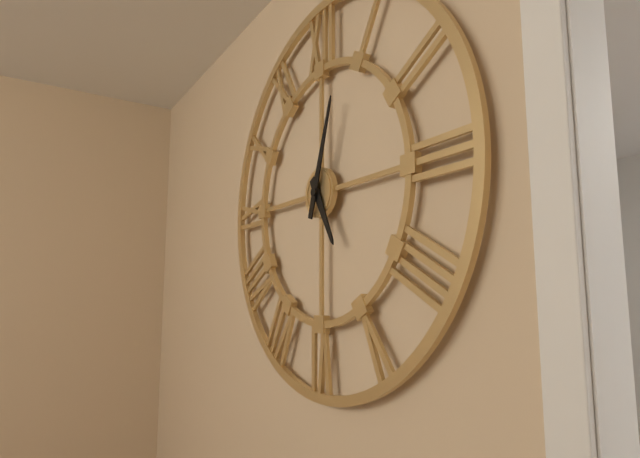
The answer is 5:03
